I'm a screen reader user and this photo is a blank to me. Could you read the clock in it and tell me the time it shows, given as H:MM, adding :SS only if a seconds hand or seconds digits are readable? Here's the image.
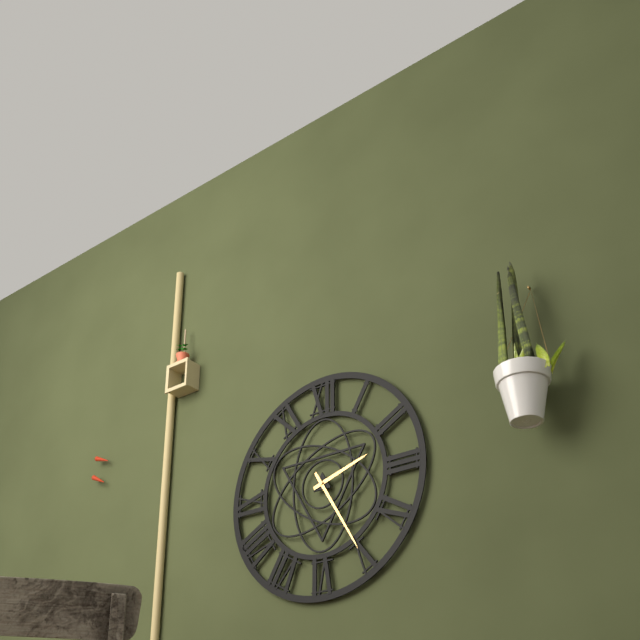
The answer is 2:25
